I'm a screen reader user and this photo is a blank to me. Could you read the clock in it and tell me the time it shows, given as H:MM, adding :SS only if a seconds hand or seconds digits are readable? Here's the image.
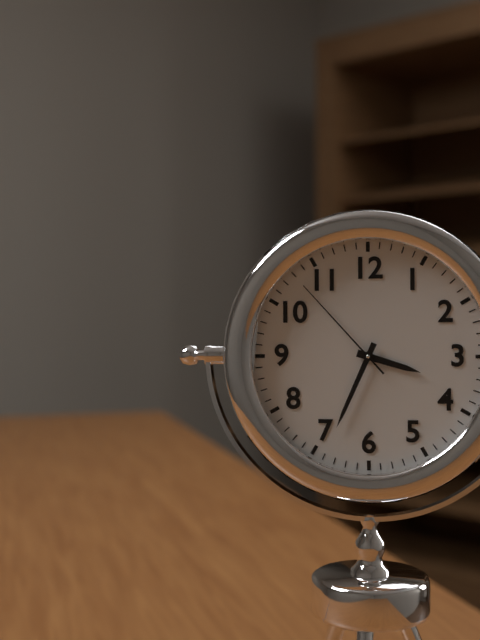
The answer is 3:34:53
